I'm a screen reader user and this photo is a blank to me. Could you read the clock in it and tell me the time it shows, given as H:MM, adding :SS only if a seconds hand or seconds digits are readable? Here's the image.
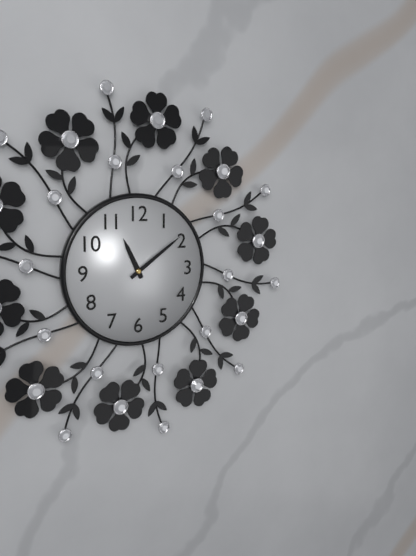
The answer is 11:09
